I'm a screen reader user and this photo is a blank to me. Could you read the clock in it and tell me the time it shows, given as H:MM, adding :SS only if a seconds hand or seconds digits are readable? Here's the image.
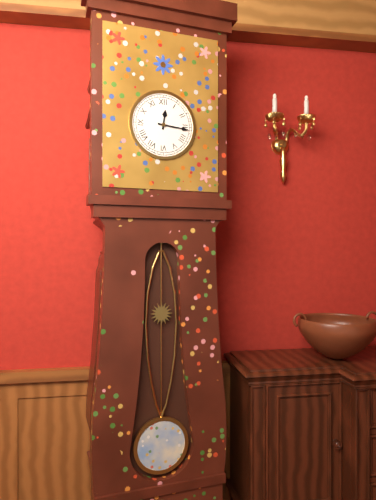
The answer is 12:16
